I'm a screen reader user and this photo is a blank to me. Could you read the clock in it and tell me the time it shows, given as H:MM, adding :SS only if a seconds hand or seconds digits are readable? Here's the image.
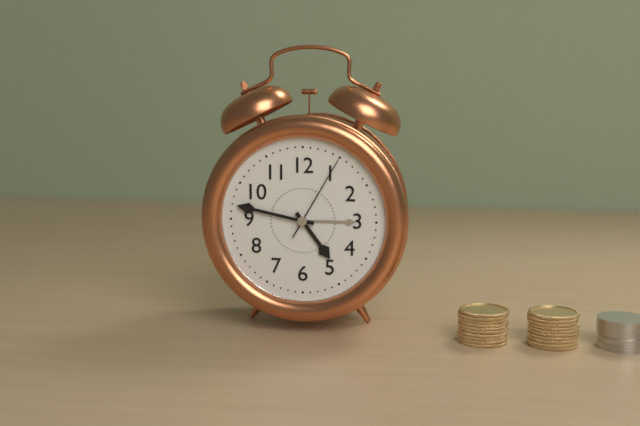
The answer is 4:47:05
